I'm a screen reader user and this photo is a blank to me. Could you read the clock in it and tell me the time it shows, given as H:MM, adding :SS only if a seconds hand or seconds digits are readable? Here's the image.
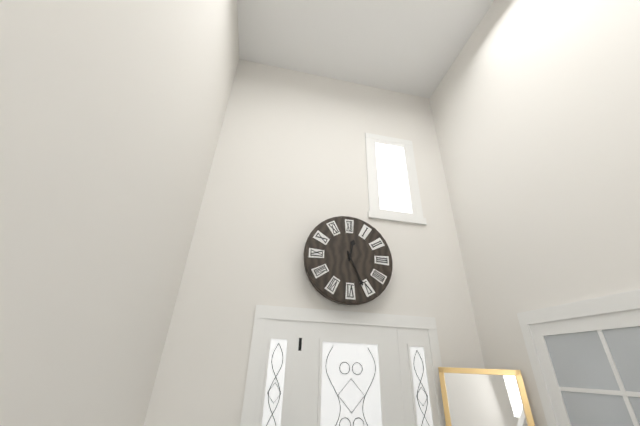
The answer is 12:26
